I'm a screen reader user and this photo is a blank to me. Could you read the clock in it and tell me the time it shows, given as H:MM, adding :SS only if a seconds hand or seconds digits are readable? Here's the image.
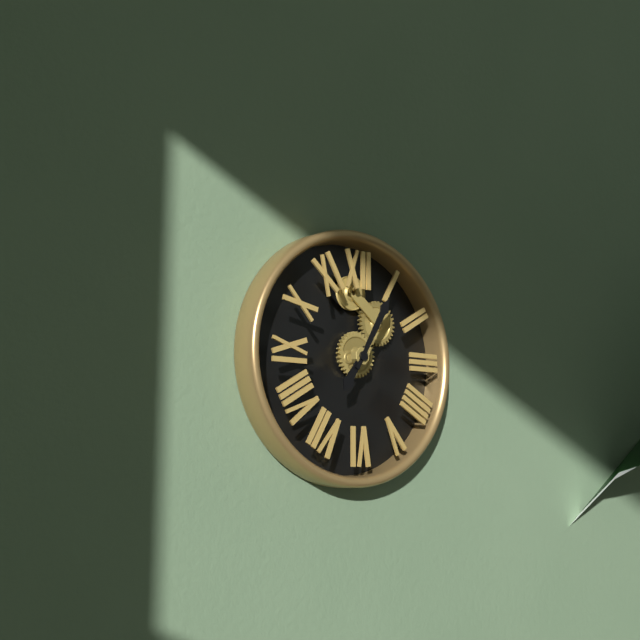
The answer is 7:05
